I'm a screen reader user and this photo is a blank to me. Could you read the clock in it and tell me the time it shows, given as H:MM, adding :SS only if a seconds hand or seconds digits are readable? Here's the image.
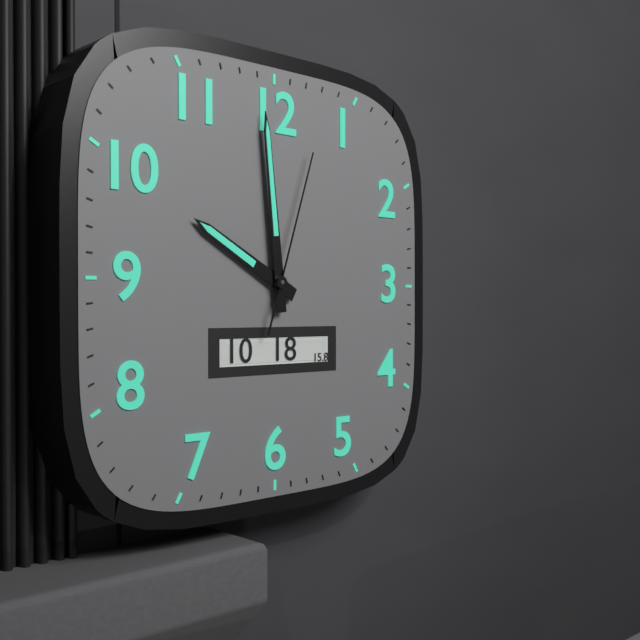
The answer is 9:59:03
